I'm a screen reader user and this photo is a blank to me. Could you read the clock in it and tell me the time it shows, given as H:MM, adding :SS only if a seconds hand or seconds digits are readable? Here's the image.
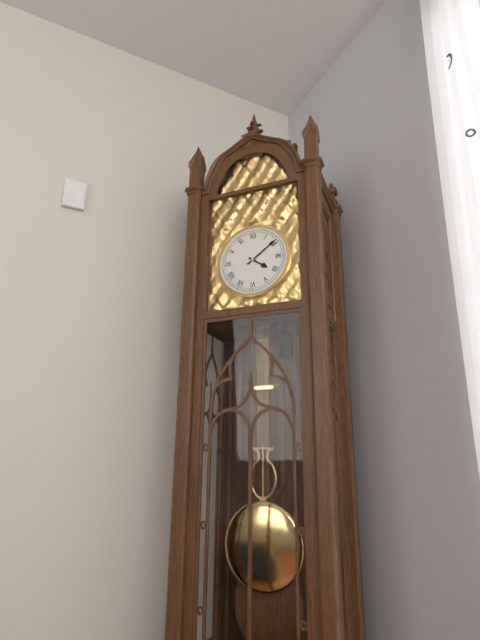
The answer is 4:09
